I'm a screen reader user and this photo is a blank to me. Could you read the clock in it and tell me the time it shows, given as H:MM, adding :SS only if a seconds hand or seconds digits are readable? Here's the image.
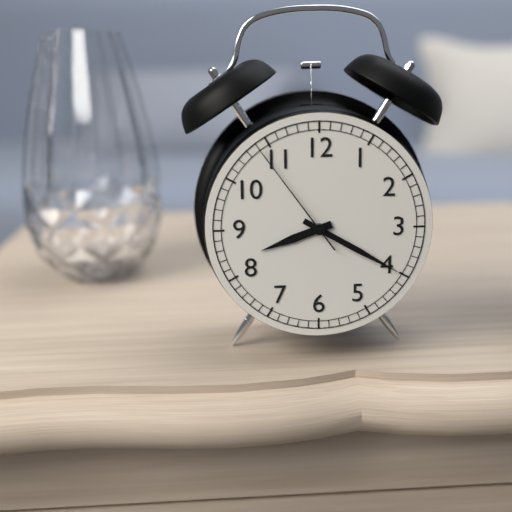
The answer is 8:20:54
